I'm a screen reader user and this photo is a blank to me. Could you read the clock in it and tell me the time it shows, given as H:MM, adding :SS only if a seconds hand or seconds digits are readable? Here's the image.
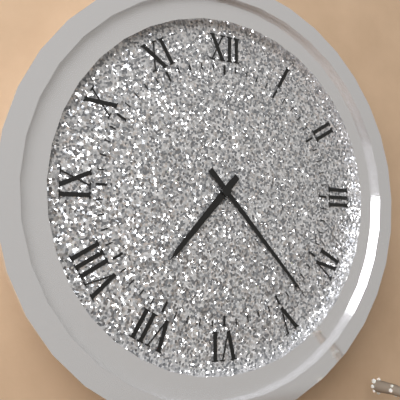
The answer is 7:23
